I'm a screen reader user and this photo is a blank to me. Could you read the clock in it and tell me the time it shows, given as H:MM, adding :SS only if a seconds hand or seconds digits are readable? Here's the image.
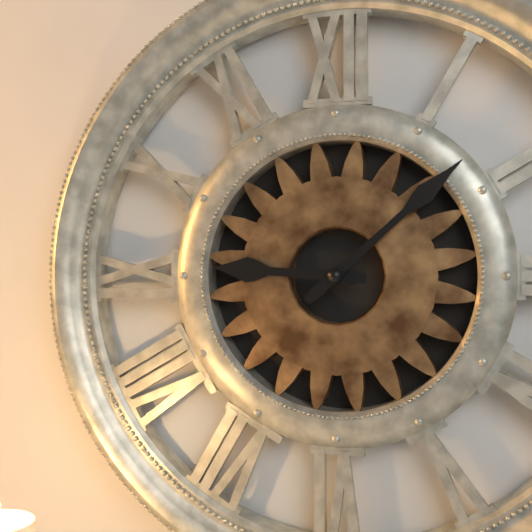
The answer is 9:08
